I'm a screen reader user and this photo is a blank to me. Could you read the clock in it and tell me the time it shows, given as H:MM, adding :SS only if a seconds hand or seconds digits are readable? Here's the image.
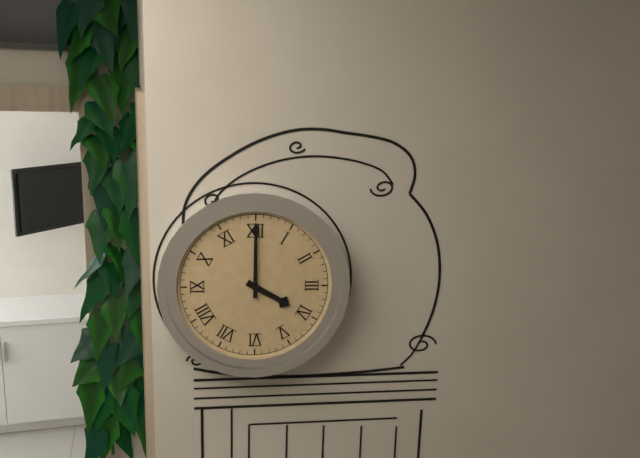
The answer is 4:00
